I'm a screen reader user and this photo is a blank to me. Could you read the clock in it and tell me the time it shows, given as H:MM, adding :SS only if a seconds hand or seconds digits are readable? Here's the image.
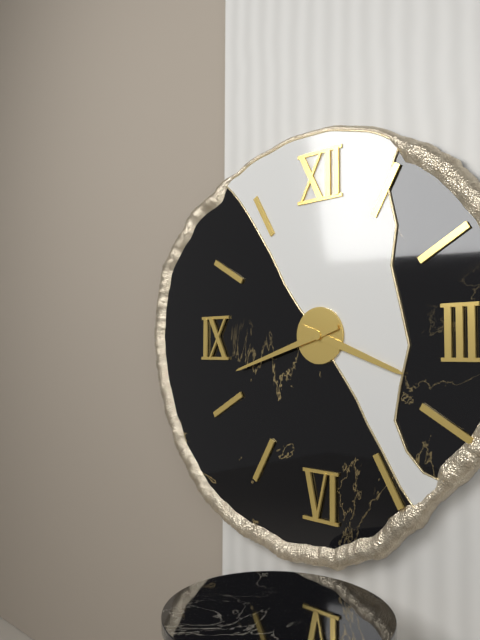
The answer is 3:42
